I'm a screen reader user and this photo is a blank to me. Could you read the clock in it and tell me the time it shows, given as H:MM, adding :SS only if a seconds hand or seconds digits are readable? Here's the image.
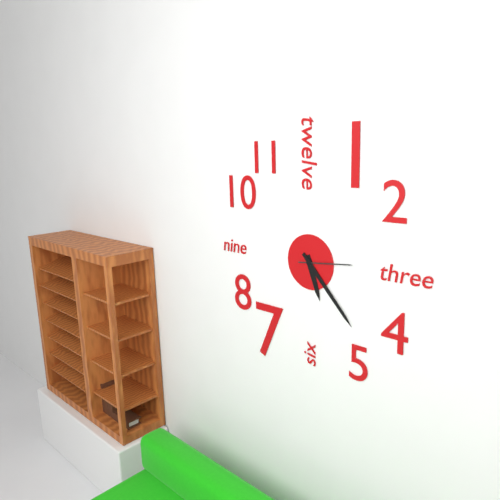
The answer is 5:23:14
